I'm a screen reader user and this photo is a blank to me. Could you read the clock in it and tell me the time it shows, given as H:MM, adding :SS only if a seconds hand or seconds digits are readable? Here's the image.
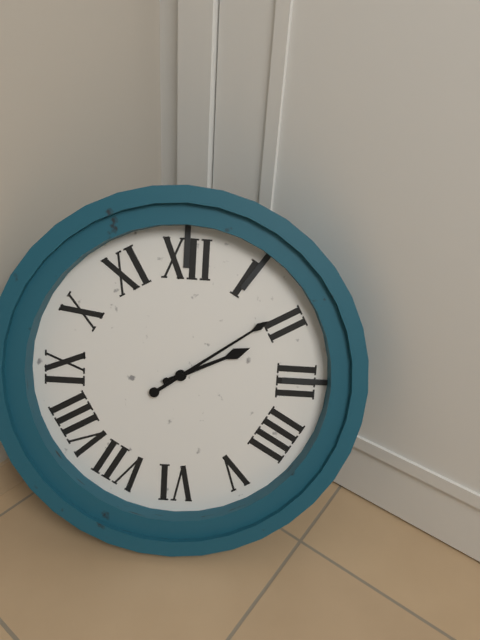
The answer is 2:09
